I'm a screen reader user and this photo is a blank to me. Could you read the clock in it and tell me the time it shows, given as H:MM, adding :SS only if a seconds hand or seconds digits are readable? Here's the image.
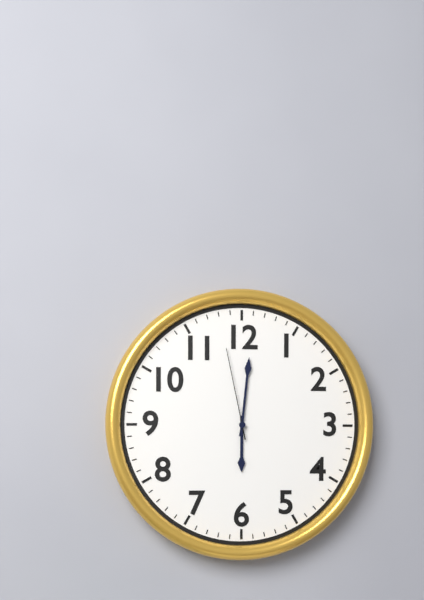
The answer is 6:01:58
